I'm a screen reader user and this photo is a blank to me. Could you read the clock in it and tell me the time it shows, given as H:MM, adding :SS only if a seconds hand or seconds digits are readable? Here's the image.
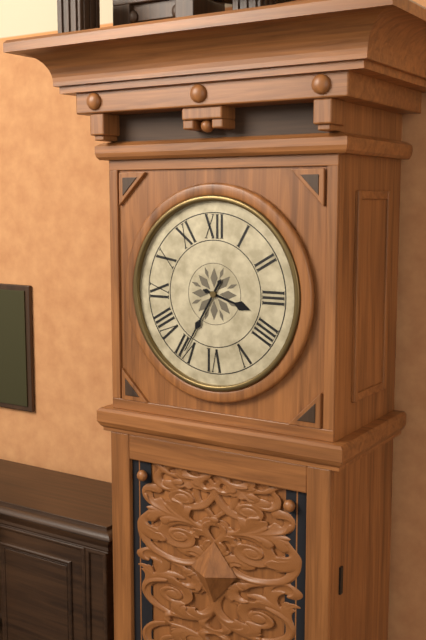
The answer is 3:35
